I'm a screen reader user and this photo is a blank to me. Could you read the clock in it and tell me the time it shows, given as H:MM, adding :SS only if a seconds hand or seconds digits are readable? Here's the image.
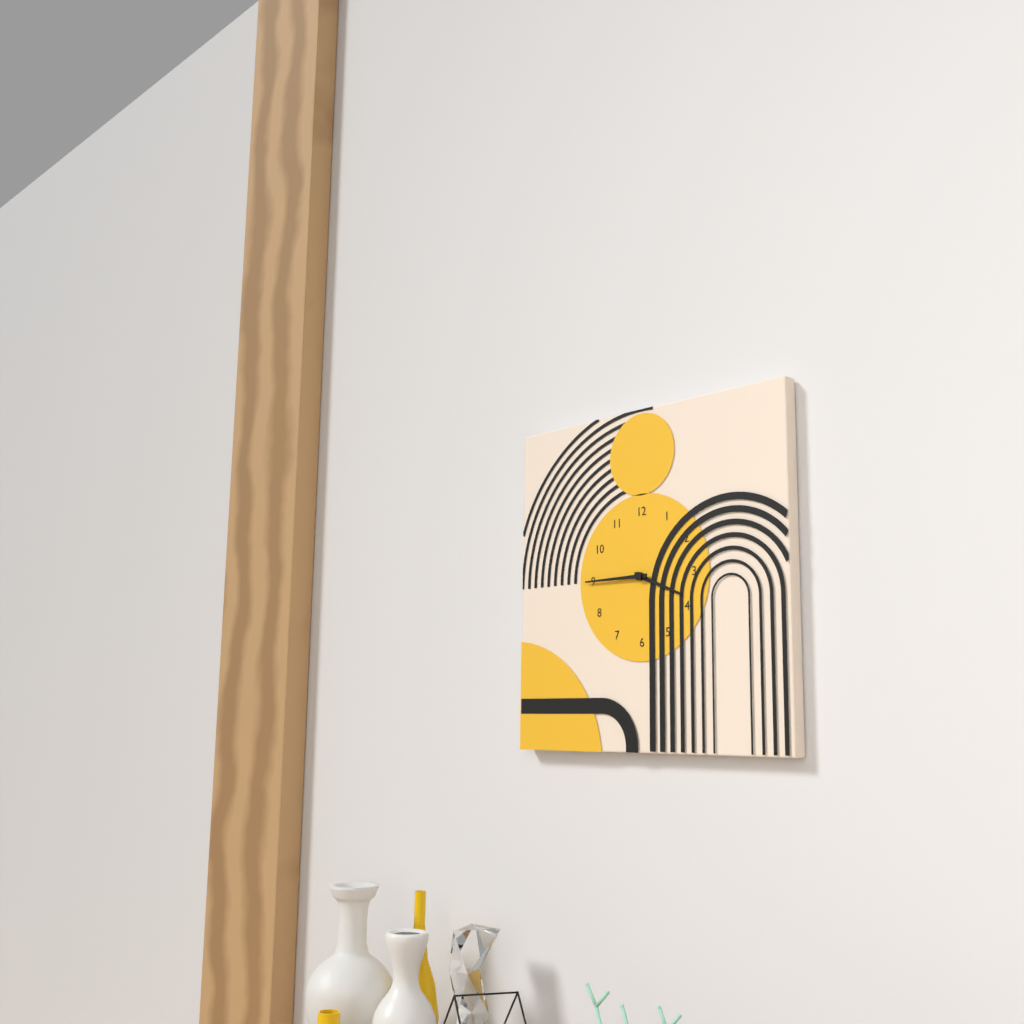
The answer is 3:45
